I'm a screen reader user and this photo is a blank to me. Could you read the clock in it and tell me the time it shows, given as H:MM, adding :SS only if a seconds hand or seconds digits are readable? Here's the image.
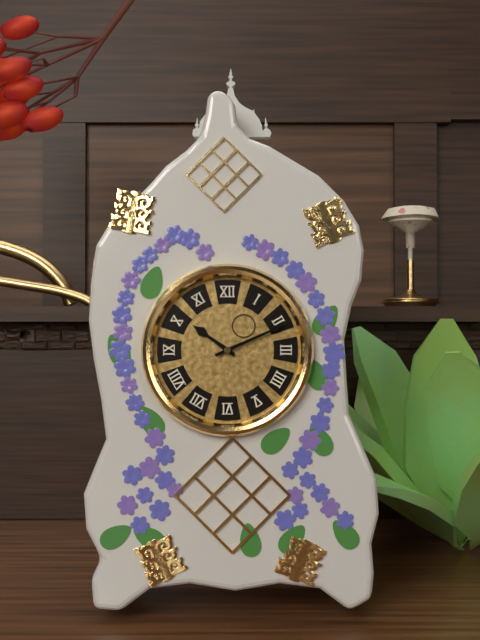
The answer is 10:11
